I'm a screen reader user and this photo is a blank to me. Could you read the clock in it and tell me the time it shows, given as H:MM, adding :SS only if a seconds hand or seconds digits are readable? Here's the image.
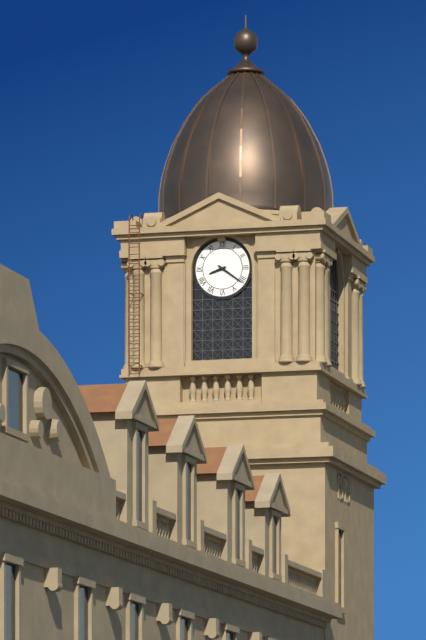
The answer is 8:21
